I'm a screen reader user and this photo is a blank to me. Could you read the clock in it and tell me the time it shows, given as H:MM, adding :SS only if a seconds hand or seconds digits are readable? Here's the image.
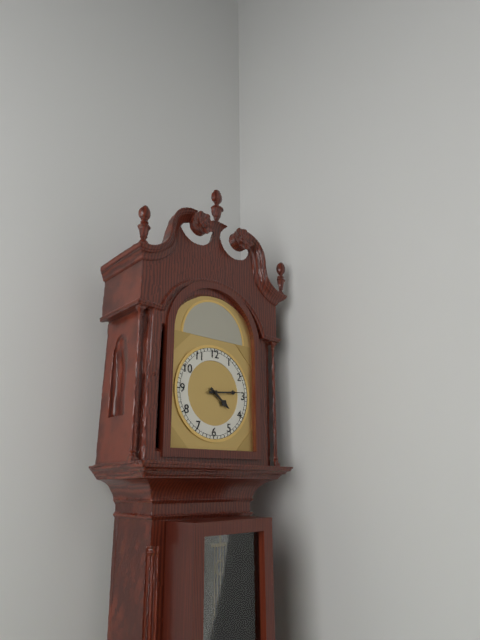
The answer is 4:14
